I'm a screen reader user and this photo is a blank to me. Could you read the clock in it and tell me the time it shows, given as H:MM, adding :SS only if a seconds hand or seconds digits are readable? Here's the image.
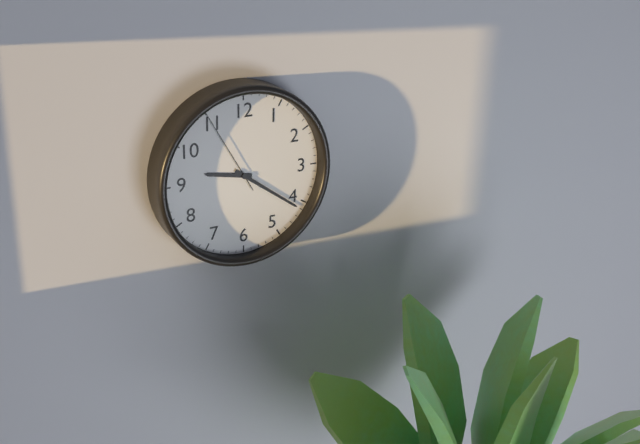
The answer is 9:21:55
